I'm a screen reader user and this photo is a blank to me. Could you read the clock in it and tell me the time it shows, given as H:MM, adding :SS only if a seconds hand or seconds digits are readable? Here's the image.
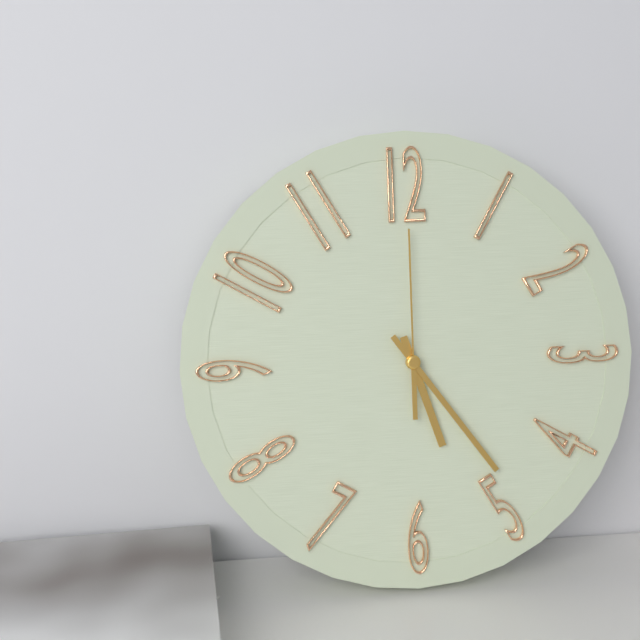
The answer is 5:24:00
